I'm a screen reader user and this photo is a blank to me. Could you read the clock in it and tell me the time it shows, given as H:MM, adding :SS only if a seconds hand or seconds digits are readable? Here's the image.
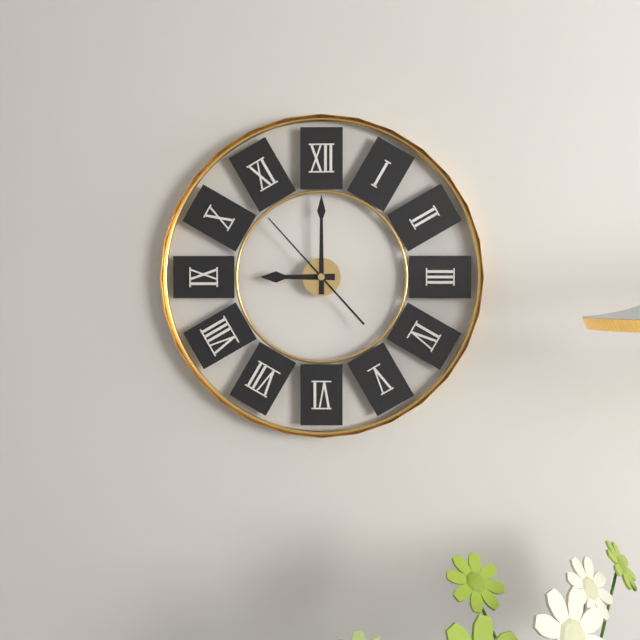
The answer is 9:00:53
